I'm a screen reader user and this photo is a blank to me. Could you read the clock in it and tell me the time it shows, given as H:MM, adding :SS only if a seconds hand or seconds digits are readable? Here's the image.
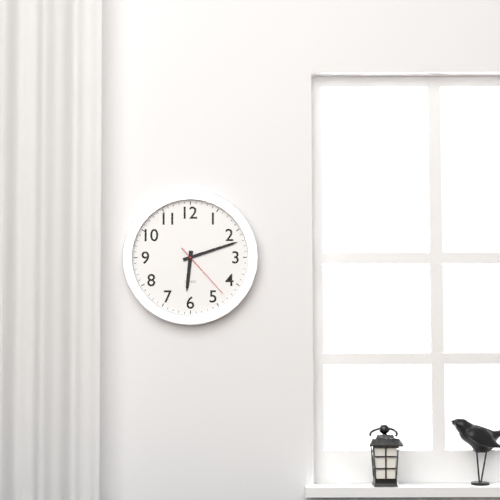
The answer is 6:12:23
